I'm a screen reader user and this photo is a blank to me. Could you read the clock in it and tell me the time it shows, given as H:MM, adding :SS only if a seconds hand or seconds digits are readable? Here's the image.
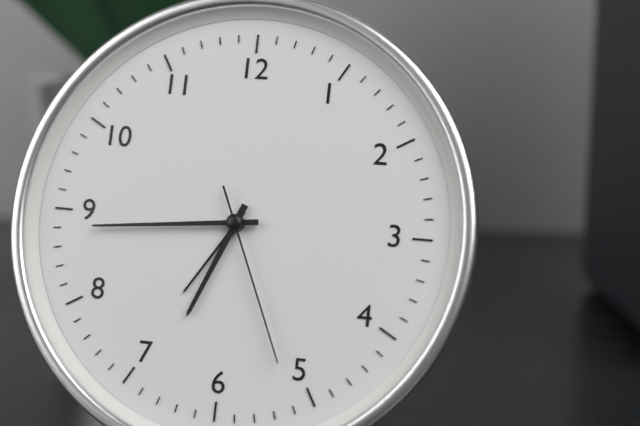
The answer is 6:44:26
